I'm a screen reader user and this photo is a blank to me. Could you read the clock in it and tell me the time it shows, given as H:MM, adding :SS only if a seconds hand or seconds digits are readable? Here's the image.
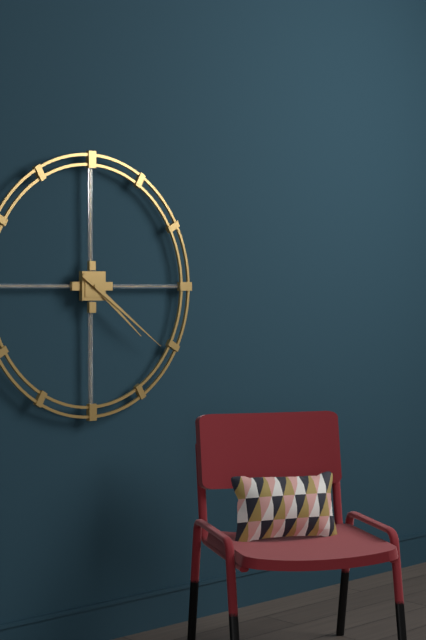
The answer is 4:21
